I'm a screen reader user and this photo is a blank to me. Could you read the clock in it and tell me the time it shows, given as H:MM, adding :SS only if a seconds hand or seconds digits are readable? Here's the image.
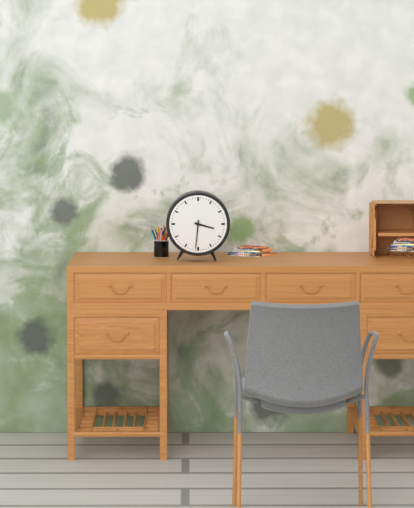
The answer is 3:31
